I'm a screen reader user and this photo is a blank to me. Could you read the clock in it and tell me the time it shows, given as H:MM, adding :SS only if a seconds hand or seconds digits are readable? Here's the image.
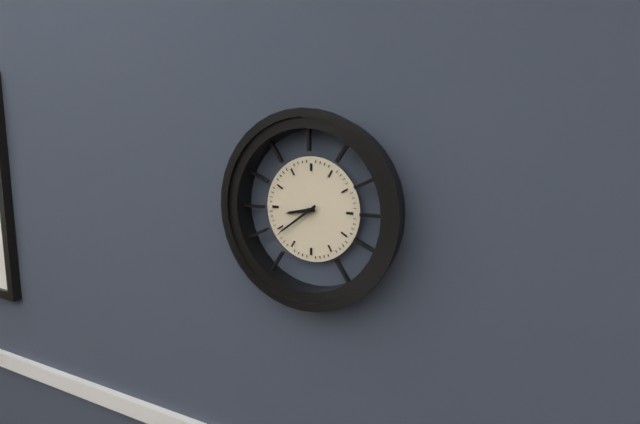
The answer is 8:39
